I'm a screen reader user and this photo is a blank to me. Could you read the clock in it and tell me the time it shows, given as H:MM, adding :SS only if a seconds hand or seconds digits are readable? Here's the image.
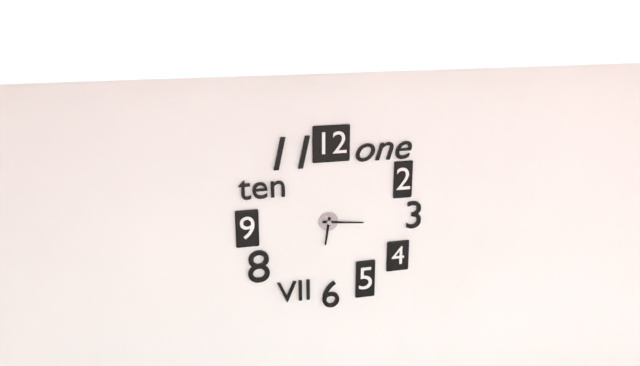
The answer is 6:16
